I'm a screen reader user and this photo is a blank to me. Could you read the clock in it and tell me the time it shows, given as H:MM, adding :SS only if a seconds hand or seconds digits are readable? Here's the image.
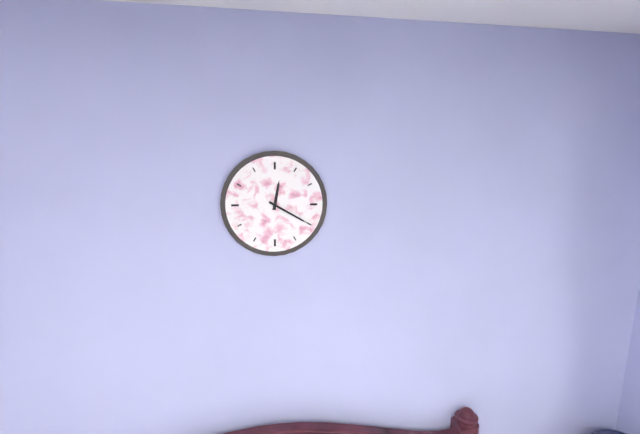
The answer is 12:20
